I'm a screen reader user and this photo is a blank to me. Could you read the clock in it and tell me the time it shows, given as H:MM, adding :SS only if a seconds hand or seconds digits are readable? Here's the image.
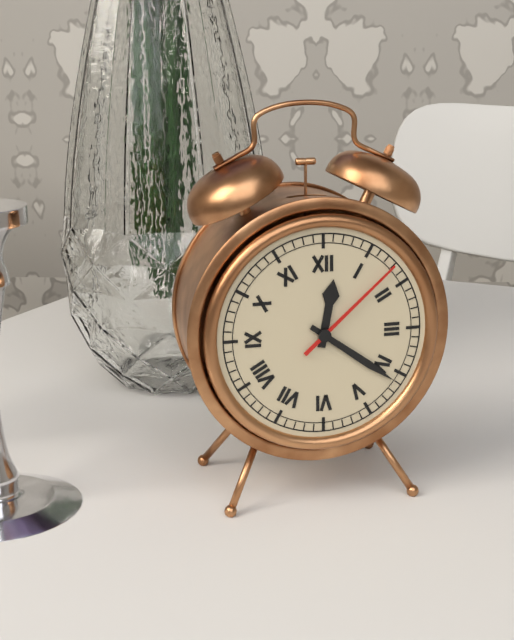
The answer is 12:21:08
